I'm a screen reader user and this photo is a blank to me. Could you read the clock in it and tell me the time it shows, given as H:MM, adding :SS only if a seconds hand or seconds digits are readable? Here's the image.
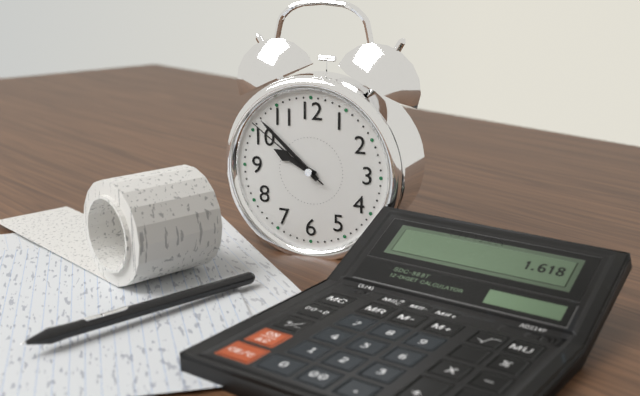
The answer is 9:52:51
